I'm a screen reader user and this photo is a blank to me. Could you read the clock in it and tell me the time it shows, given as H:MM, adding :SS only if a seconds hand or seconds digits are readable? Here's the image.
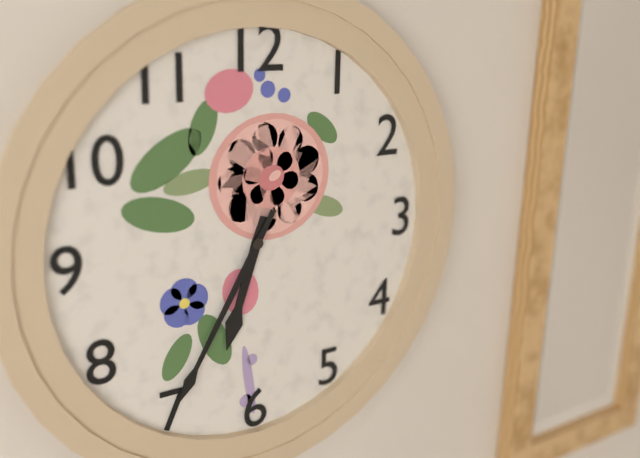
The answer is 6:35
